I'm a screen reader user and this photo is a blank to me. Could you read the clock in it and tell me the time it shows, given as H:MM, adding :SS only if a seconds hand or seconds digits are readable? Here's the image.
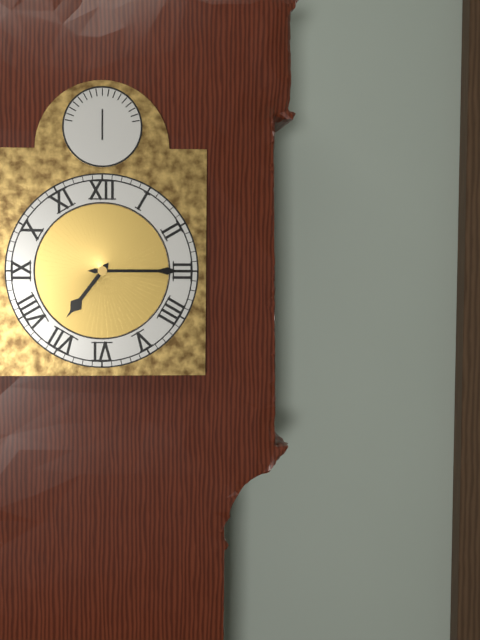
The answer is 7:15
